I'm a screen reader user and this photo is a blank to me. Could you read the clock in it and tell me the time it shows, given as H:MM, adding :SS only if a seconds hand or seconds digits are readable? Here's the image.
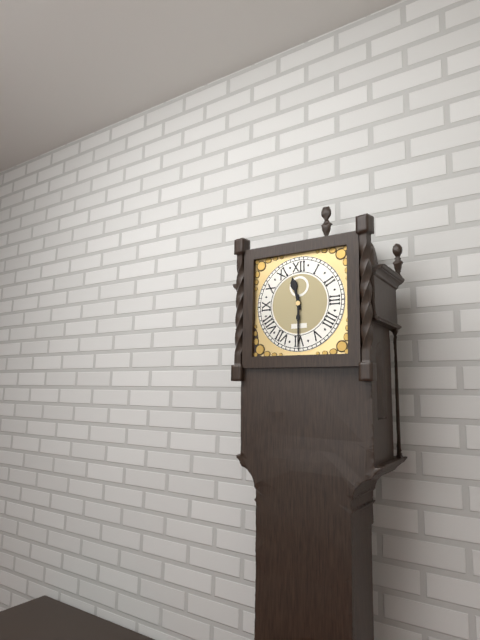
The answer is 11:30
